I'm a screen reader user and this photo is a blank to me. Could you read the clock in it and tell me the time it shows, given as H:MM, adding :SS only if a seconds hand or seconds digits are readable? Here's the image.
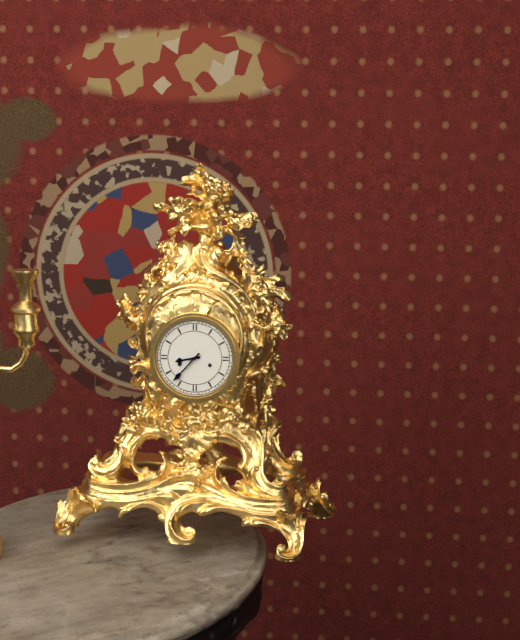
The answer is 8:37
